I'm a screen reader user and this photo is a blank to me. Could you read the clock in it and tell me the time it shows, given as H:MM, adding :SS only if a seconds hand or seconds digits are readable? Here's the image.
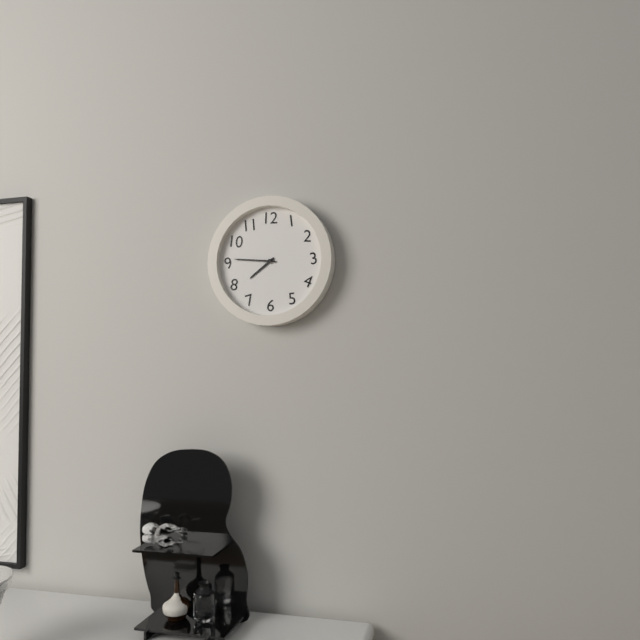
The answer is 7:46
